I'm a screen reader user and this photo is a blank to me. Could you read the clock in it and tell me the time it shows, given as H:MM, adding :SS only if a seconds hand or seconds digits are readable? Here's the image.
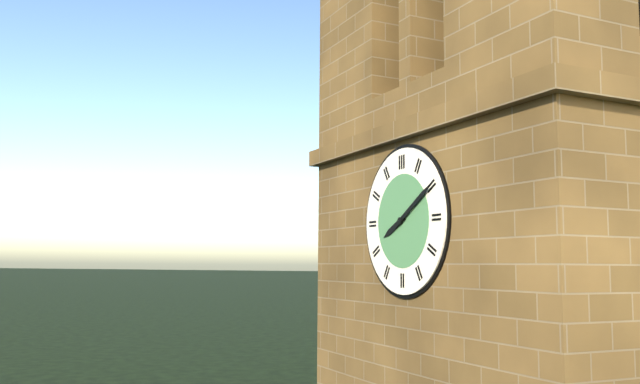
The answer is 8:10
